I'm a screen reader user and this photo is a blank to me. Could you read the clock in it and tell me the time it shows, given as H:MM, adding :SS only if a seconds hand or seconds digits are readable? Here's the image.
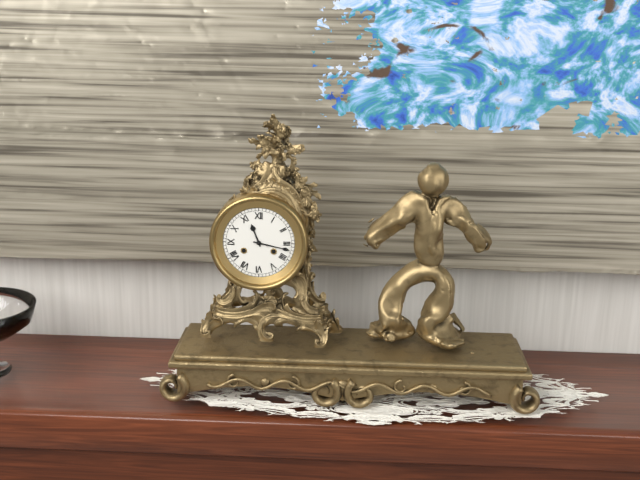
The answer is 11:17
